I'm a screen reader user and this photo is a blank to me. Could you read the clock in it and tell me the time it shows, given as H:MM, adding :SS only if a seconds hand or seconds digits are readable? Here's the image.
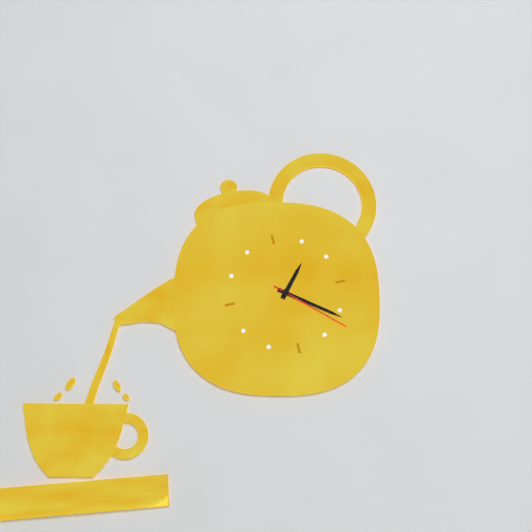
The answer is 1:21:22
